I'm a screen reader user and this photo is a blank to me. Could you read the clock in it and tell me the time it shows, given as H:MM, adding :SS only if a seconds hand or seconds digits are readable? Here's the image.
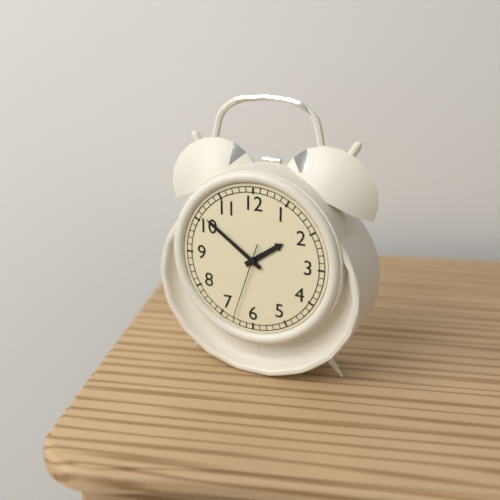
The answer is 1:51:33
